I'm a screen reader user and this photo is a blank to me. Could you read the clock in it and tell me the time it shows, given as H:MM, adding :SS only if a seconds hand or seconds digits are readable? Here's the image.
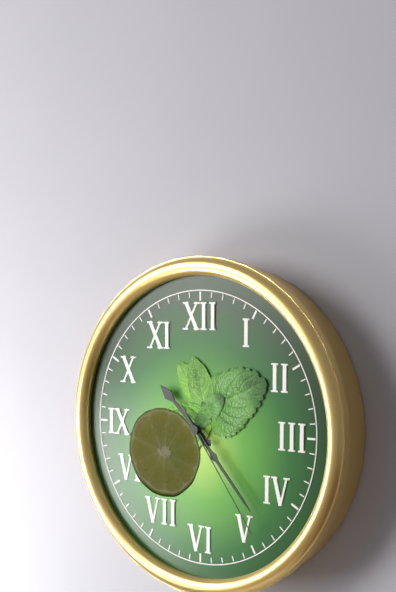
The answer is 10:23:24
